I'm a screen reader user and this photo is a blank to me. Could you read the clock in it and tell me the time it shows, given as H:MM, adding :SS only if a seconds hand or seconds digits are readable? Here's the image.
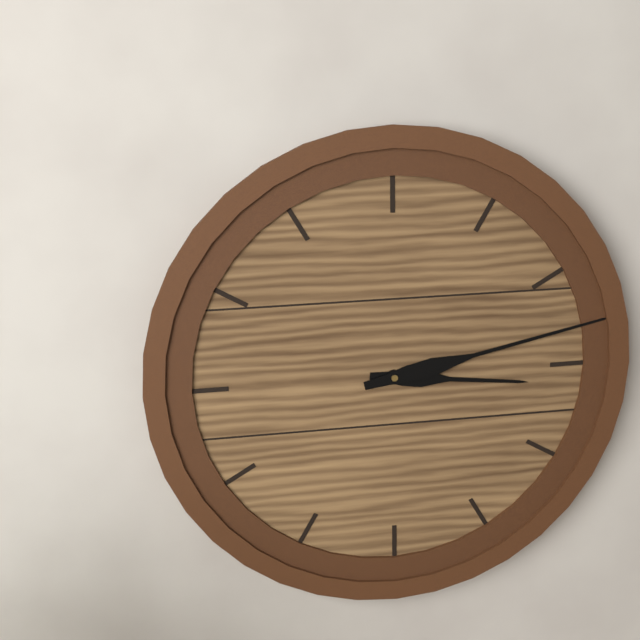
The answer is 3:13
